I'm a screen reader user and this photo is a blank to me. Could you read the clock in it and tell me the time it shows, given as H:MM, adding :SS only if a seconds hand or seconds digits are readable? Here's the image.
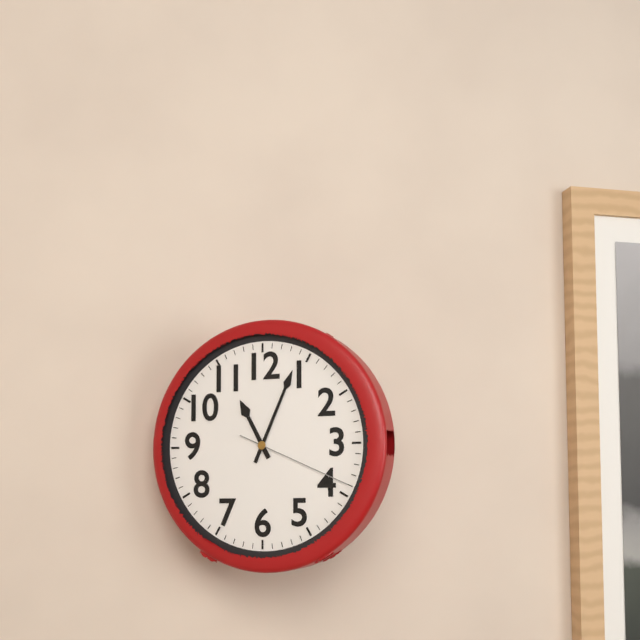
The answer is 11:04:19
